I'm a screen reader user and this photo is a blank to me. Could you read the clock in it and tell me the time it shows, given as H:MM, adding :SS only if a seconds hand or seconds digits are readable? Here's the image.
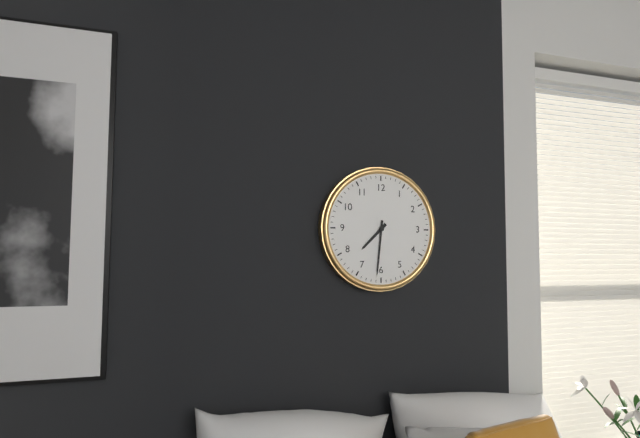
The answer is 7:31
